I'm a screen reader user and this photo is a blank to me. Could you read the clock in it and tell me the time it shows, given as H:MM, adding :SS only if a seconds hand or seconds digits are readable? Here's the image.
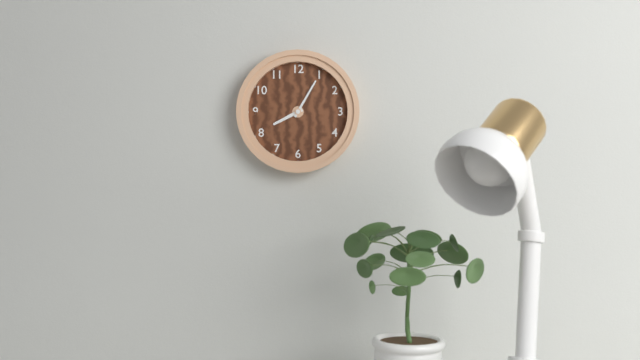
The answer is 8:05
